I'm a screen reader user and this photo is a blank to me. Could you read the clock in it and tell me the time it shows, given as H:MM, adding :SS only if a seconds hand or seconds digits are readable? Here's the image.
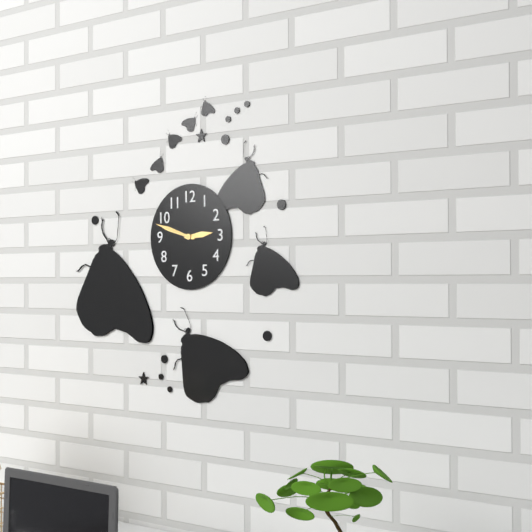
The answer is 2:48
